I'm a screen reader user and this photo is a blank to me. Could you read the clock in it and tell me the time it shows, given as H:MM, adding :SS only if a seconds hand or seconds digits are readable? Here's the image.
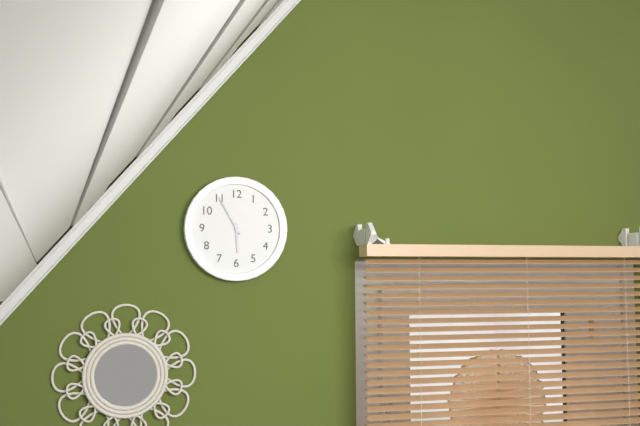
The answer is 5:55
